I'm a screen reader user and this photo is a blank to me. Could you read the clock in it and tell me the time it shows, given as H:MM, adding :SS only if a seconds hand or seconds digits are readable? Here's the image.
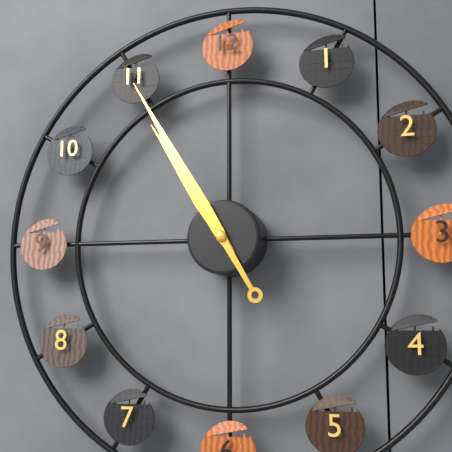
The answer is 10:55
